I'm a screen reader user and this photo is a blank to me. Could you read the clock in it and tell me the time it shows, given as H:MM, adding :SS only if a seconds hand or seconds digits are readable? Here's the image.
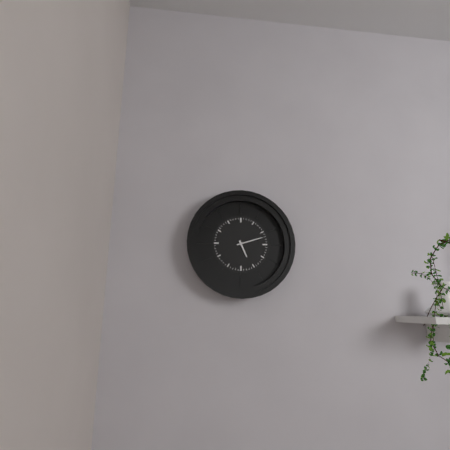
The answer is 5:12
